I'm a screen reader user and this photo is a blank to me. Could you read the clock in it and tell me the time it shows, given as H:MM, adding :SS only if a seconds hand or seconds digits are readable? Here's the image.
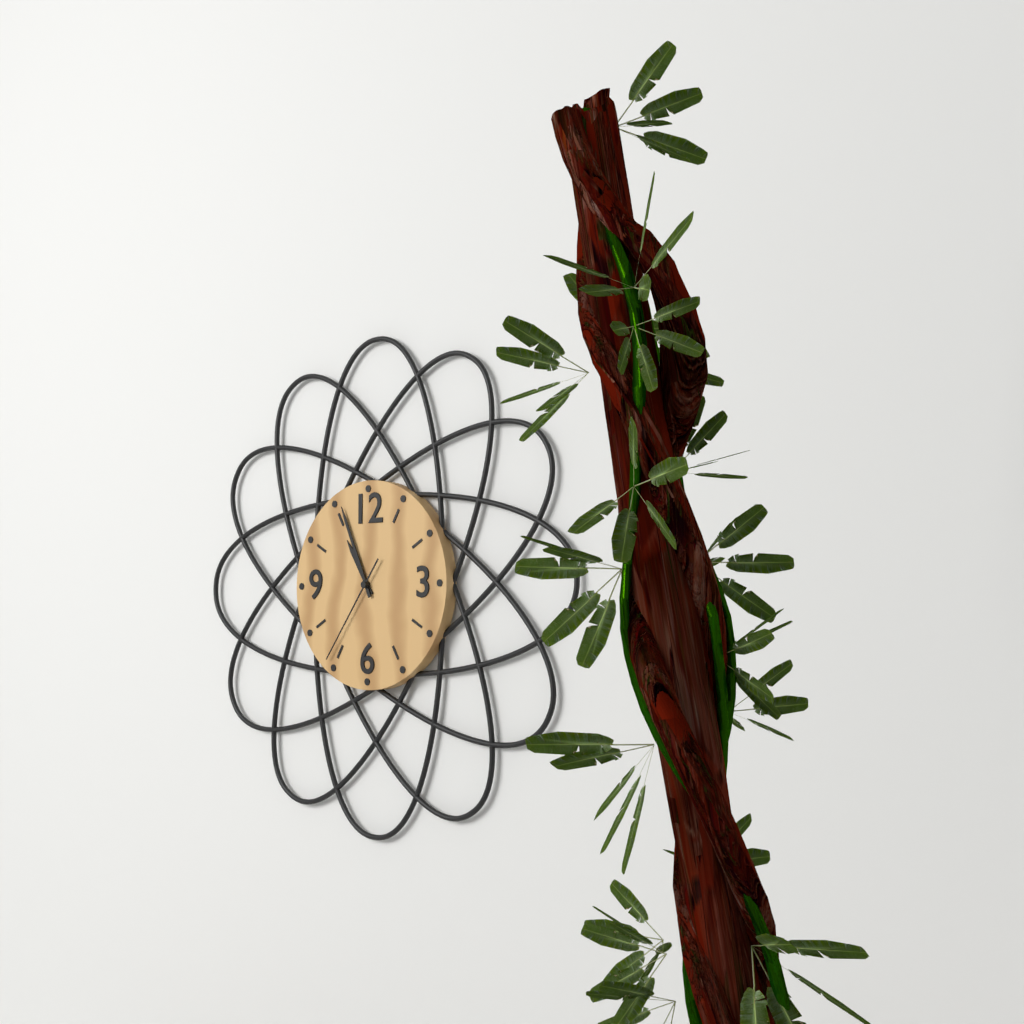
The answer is 10:56:36
